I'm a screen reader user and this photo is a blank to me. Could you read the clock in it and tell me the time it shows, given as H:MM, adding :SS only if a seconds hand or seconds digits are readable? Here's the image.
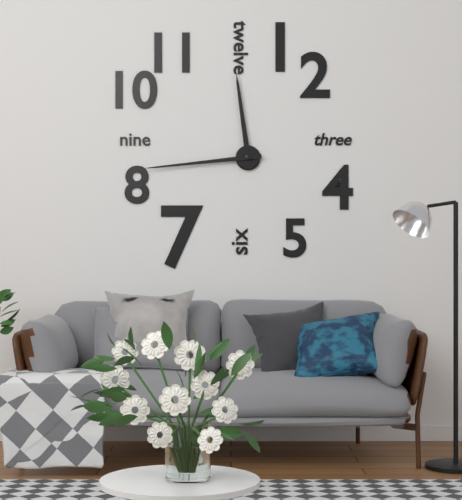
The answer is 11:44
